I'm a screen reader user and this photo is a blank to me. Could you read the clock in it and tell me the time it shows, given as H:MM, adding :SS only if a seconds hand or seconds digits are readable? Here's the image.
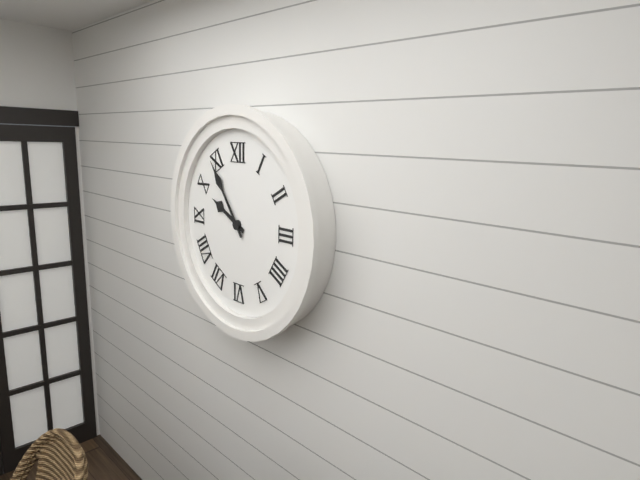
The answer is 9:54
